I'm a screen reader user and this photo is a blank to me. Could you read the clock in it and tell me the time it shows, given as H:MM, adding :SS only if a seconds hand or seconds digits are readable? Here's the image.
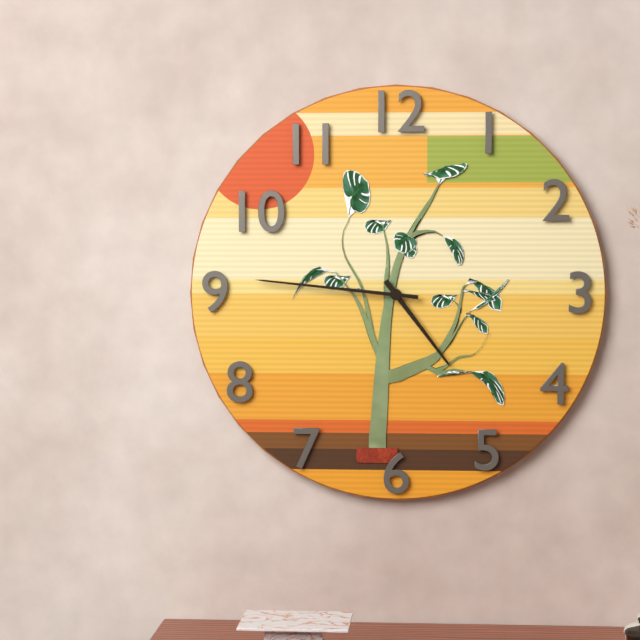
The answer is 4:46
